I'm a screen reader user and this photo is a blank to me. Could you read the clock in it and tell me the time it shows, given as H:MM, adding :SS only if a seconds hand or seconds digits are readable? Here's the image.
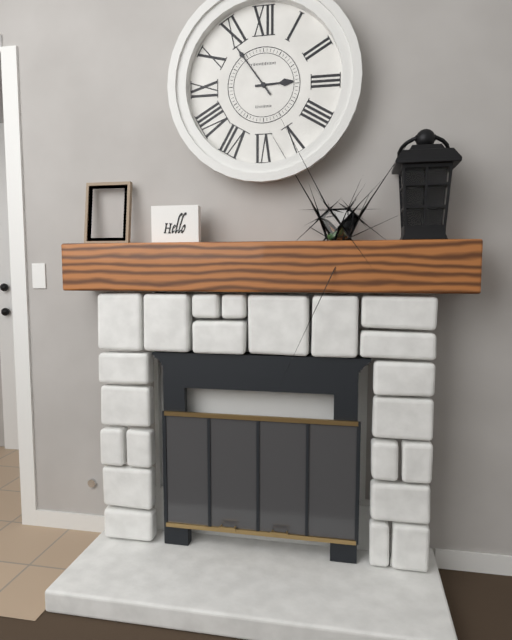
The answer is 2:54
